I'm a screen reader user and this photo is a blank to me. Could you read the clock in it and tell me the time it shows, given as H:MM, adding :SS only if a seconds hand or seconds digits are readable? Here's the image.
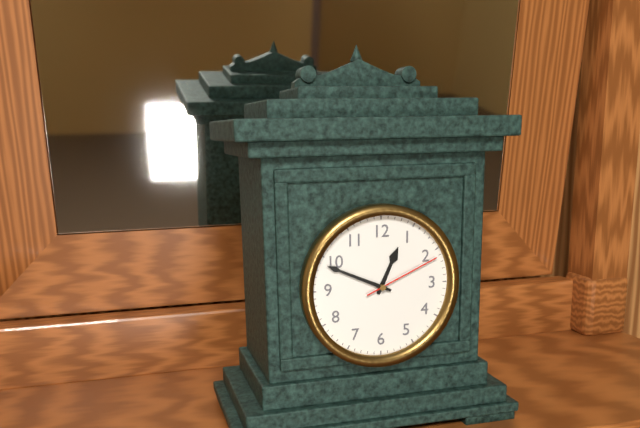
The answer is 12:49:11
